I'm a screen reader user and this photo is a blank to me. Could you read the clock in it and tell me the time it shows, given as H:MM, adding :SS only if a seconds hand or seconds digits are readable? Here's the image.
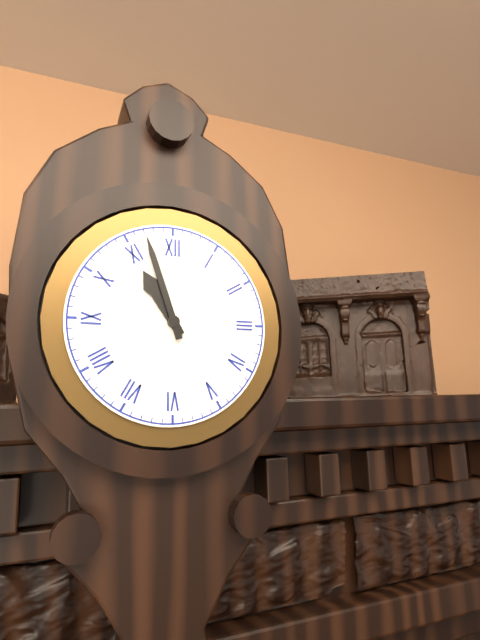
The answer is 10:57
